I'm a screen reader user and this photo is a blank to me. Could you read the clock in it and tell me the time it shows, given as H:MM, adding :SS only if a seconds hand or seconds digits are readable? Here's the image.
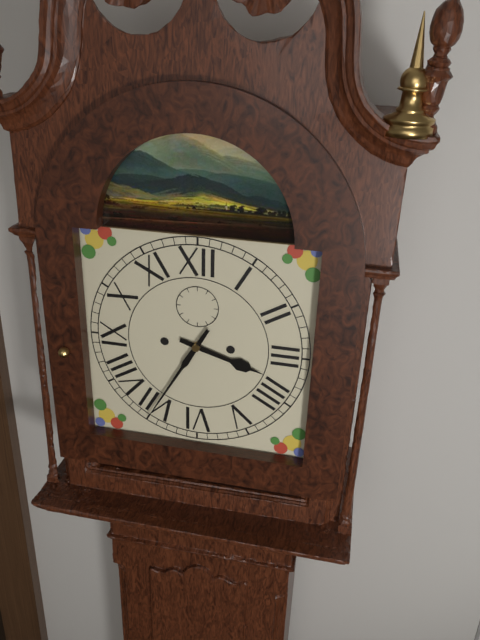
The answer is 3:35
